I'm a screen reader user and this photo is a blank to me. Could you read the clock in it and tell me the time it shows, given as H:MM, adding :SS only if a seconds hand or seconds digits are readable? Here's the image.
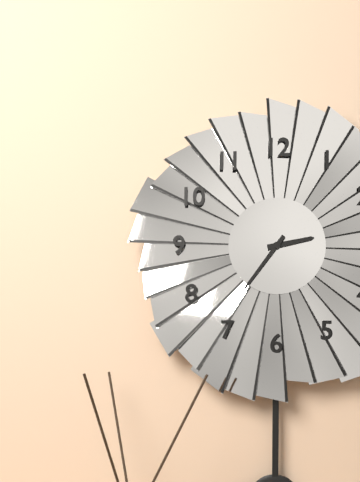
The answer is 2:36
